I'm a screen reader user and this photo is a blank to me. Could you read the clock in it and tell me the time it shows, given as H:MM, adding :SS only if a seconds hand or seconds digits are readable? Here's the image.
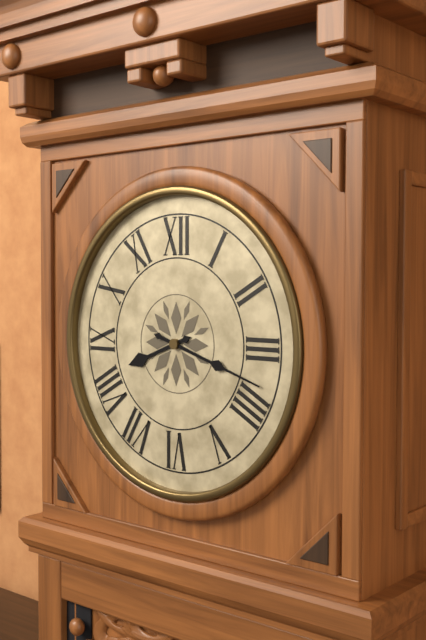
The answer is 8:18
